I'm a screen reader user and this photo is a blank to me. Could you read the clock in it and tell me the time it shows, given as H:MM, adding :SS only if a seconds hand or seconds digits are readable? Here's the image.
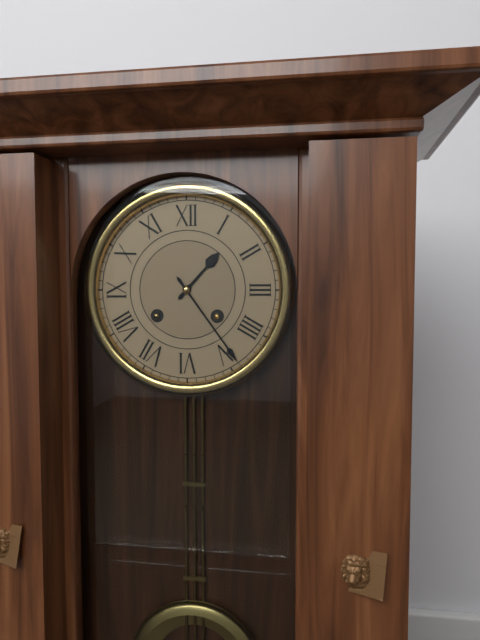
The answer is 1:24
